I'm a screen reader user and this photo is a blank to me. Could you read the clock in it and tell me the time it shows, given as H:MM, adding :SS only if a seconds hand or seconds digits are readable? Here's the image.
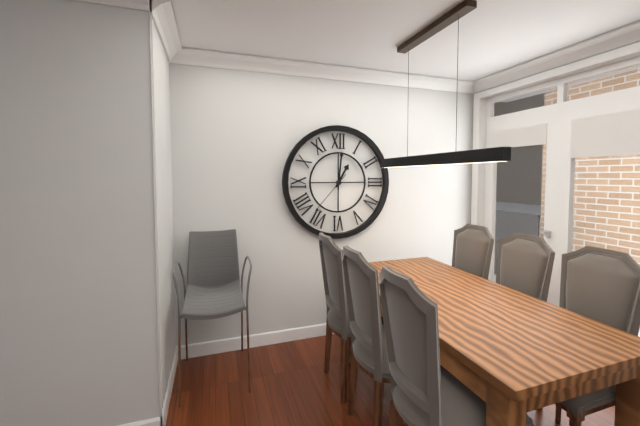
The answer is 1:01
